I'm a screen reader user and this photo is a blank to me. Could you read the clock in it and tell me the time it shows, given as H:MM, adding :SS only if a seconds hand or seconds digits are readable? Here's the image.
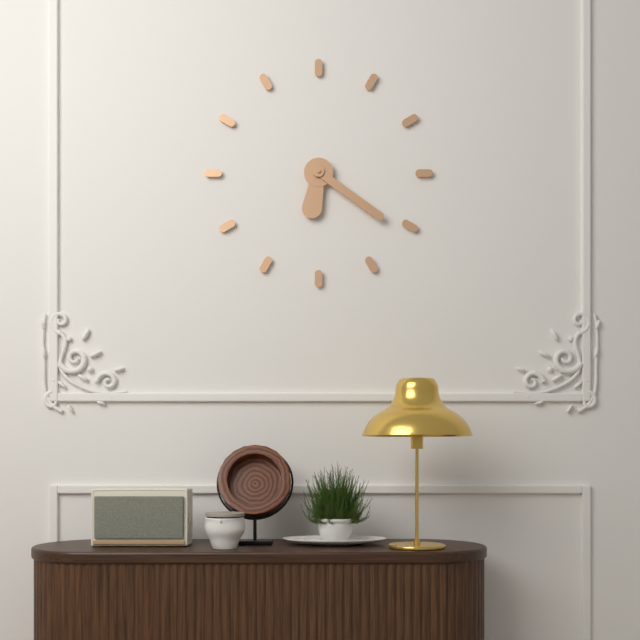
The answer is 6:21
